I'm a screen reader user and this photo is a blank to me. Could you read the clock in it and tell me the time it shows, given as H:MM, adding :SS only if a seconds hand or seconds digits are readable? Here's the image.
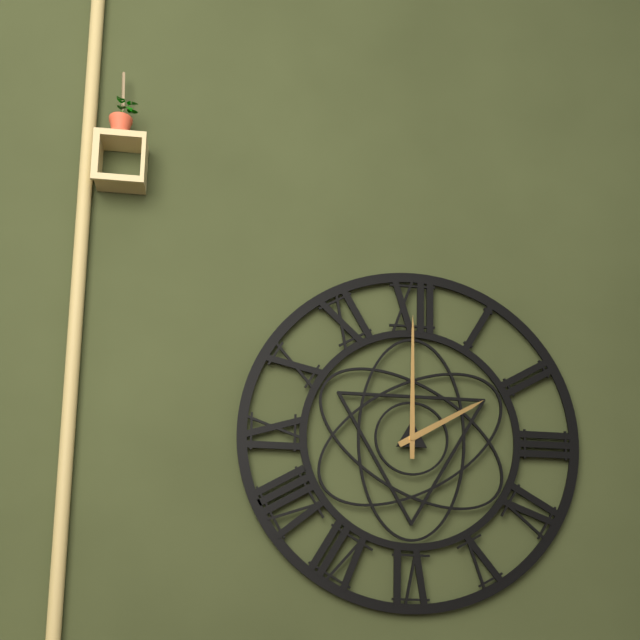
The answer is 2:00
